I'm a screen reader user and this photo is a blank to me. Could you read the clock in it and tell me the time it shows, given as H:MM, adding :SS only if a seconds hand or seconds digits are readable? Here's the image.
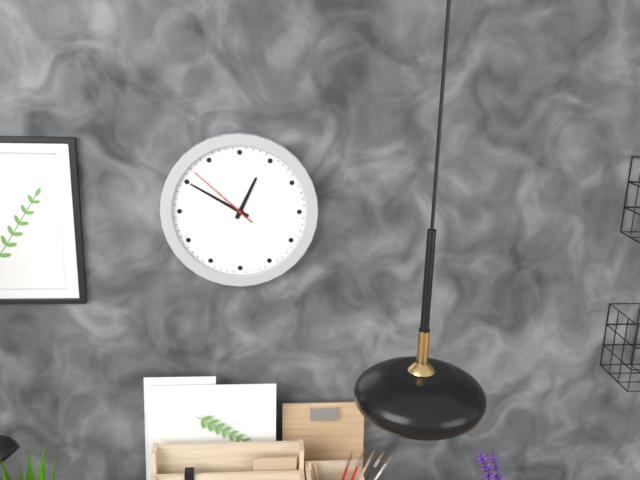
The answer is 12:50:52
